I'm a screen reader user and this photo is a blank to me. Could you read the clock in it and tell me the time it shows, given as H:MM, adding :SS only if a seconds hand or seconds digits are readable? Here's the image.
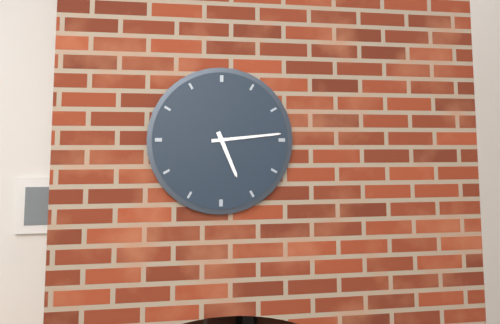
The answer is 5:14
